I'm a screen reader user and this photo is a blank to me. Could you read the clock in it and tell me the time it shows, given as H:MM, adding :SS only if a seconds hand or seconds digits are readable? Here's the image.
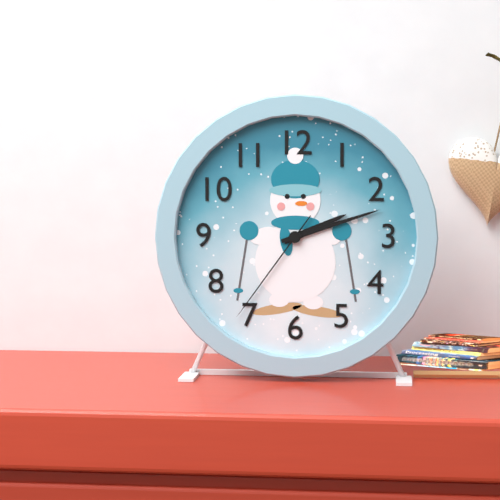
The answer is 2:12:36
